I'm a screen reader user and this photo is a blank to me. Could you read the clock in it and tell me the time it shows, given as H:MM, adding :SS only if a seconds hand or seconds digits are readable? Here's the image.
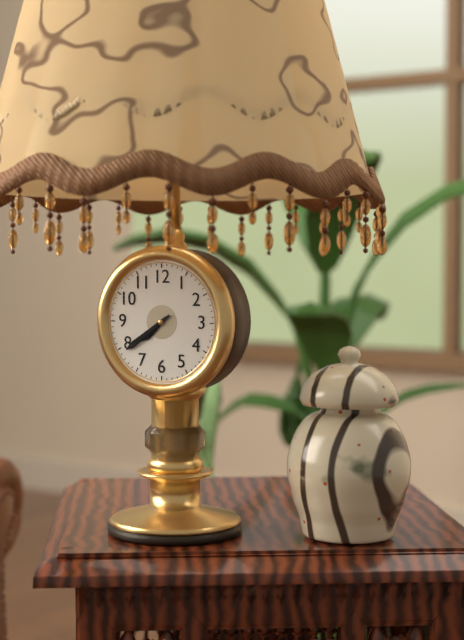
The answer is 7:39
